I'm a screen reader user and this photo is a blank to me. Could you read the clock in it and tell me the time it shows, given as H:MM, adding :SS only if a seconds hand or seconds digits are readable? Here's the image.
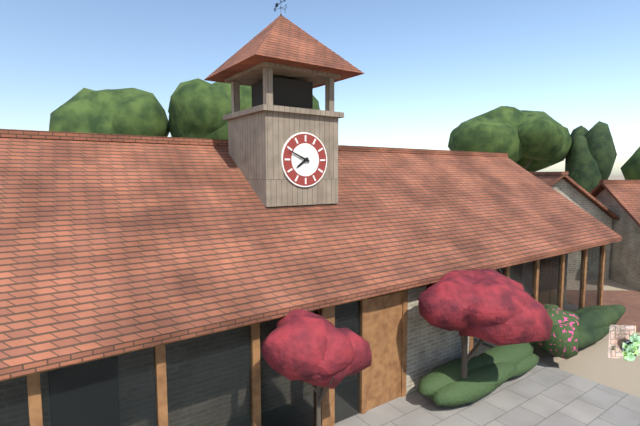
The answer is 7:49
